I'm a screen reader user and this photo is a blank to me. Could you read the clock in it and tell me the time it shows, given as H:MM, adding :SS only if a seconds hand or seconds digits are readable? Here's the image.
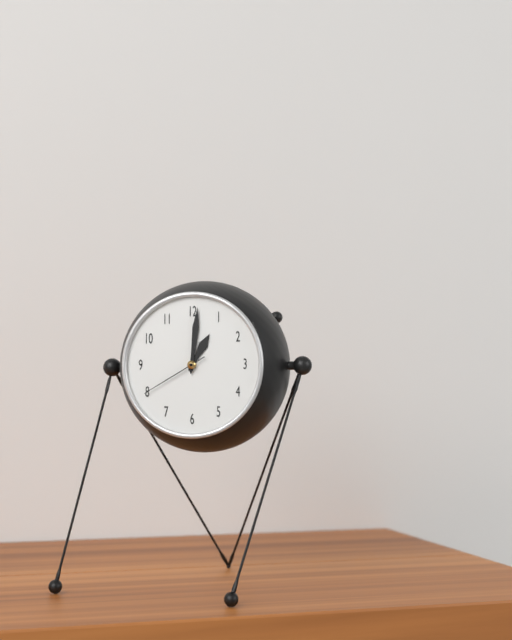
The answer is 1:01:40
